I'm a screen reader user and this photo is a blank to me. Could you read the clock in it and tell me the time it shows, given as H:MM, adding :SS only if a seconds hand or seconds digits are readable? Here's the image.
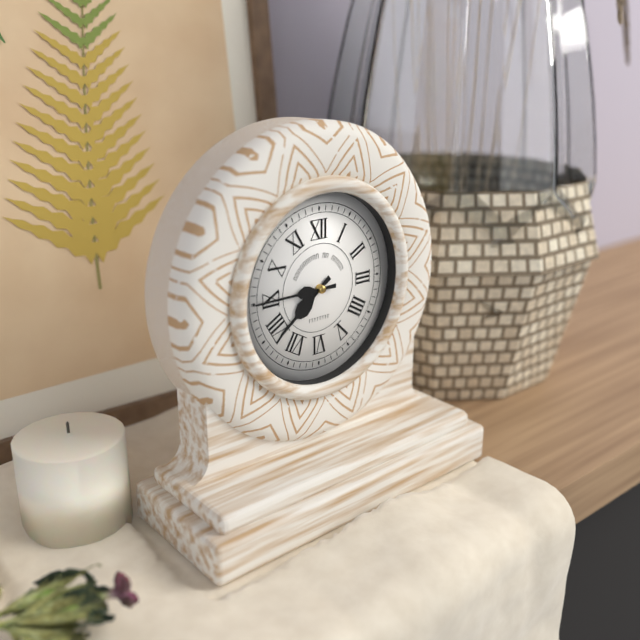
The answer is 7:45
